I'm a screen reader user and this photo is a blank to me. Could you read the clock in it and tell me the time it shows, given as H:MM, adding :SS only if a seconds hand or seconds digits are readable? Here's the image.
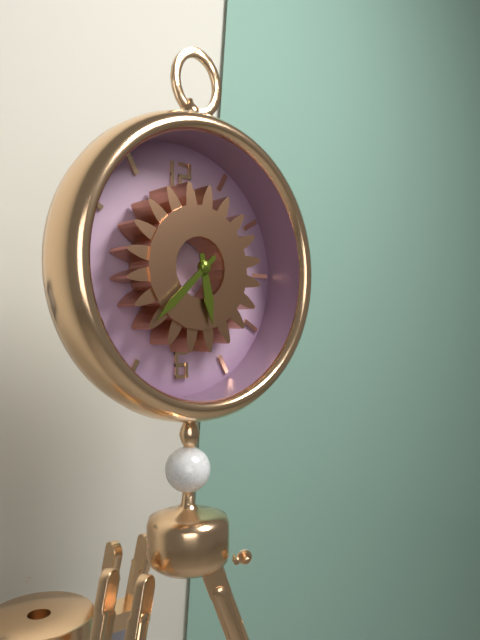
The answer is 5:38
